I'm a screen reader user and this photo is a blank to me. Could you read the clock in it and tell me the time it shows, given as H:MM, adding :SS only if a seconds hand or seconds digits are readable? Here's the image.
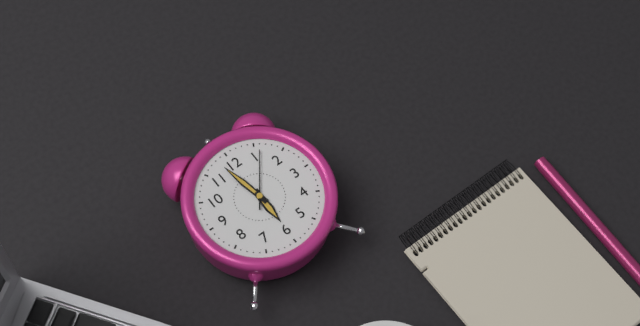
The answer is 5:58:06
